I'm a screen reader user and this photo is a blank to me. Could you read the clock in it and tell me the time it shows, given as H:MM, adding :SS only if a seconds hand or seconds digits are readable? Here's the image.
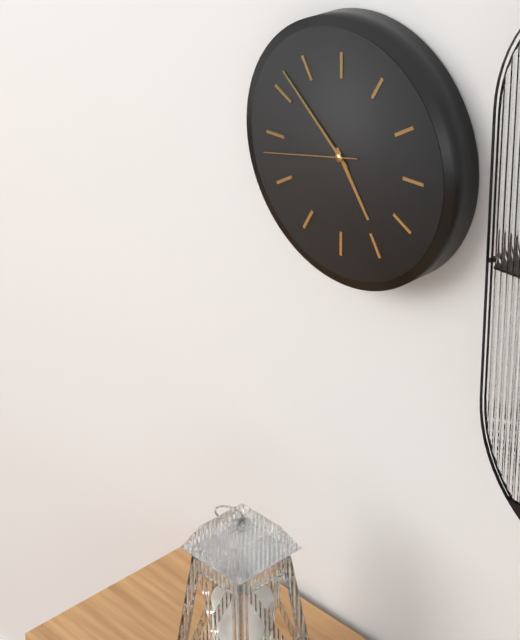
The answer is 4:52:43
